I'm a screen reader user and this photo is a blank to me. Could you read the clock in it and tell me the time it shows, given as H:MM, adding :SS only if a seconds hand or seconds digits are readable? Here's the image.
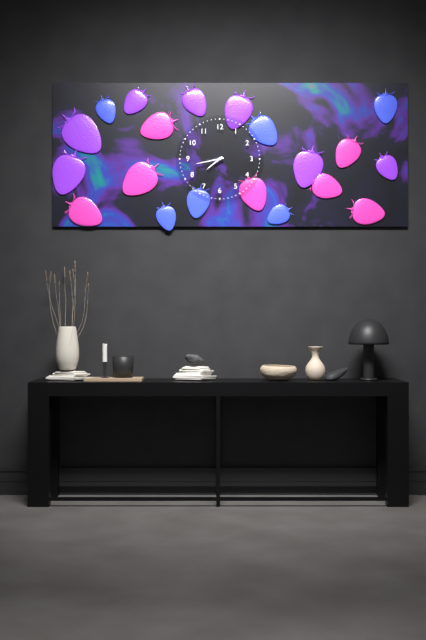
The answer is 7:43
